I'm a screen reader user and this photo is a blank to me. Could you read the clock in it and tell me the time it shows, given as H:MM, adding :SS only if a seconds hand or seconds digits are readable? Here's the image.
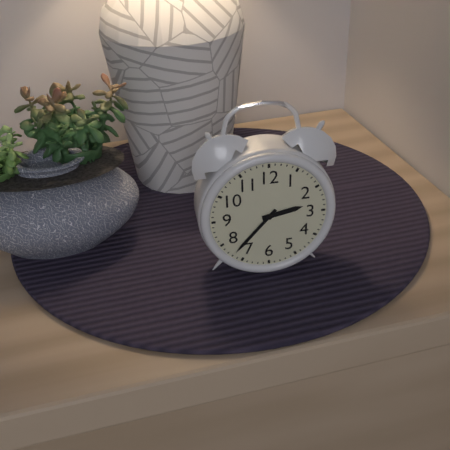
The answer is 2:37
